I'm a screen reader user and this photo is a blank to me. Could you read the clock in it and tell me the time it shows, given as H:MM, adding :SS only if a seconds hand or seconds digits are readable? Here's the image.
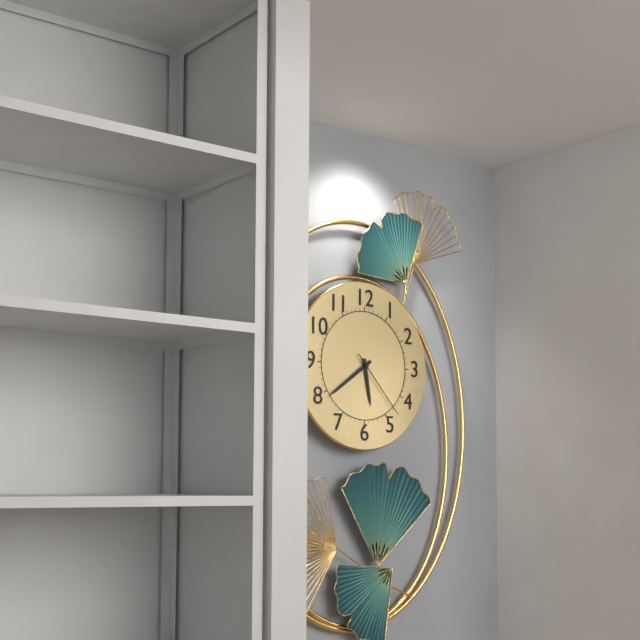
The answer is 5:39:23
